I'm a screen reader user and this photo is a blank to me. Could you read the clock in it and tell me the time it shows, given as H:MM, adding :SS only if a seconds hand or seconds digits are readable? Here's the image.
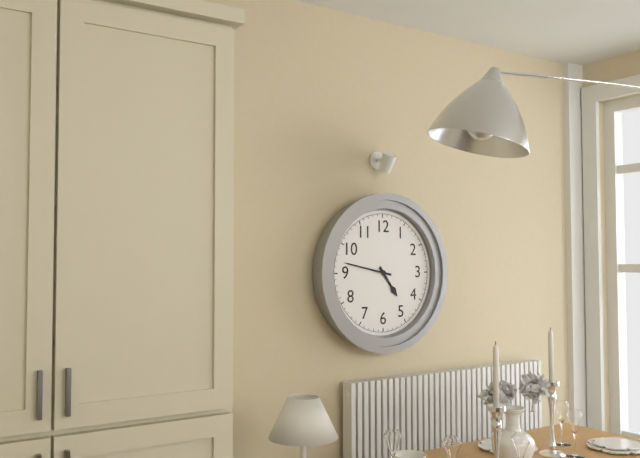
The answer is 4:47
